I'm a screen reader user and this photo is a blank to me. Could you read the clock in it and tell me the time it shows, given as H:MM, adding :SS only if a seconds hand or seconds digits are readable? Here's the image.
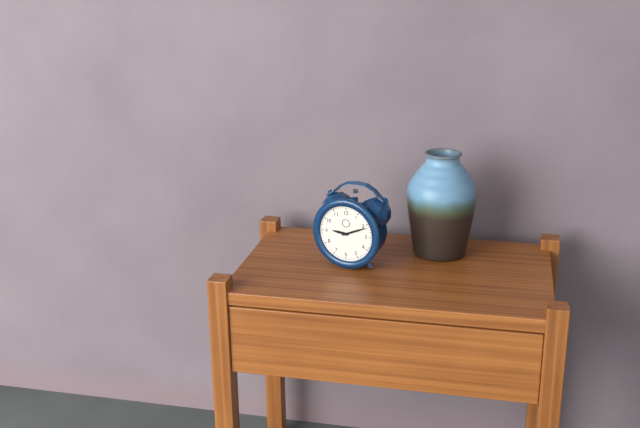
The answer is 9:11
